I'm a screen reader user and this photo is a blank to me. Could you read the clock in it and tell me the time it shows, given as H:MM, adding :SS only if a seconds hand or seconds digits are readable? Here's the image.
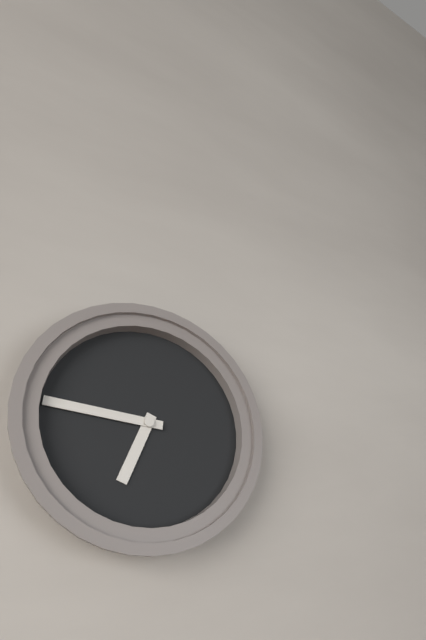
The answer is 6:46
